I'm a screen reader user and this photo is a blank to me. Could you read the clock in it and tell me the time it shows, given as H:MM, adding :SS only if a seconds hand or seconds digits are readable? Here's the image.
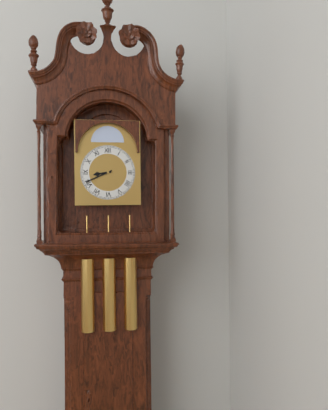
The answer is 8:41
